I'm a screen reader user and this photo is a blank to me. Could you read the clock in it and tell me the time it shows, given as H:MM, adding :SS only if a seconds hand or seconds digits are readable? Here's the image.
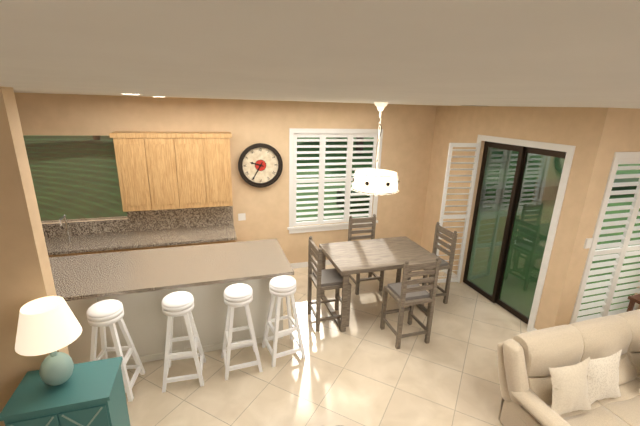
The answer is 9:35
